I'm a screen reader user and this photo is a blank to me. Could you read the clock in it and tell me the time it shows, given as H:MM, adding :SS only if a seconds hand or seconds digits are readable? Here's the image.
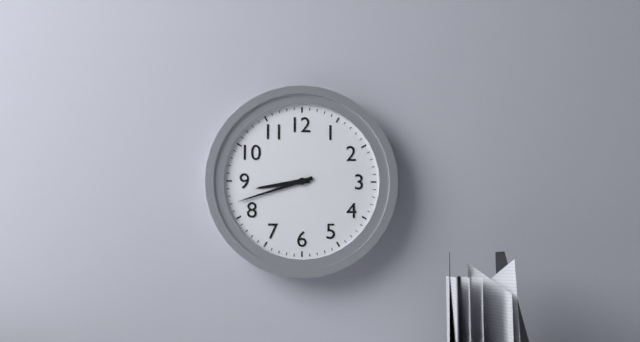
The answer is 8:42
